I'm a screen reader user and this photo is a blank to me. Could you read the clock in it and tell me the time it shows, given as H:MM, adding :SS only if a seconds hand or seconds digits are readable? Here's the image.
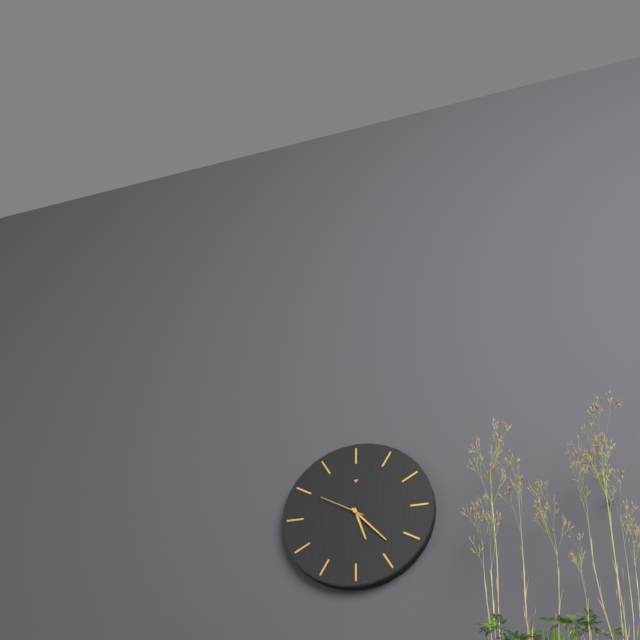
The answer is 5:23
